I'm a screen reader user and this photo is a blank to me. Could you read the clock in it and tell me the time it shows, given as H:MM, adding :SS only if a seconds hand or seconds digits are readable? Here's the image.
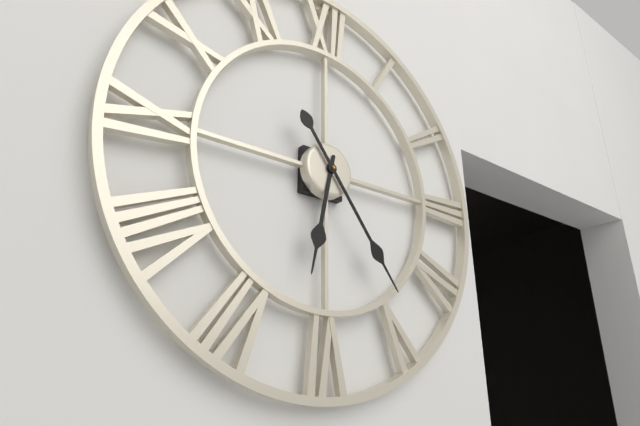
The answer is 6:24
